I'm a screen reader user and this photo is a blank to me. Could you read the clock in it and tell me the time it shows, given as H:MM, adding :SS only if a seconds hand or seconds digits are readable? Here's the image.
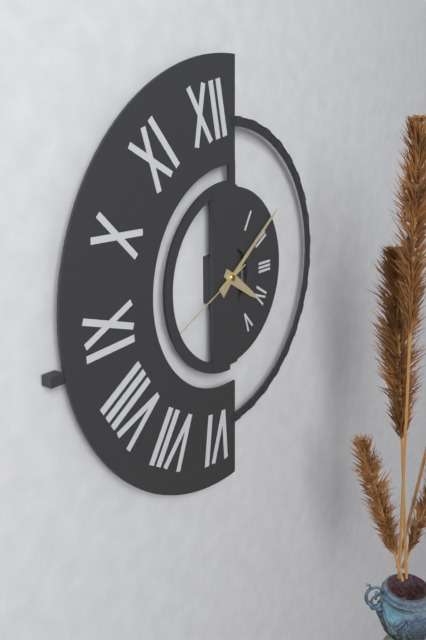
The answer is 4:09:41
